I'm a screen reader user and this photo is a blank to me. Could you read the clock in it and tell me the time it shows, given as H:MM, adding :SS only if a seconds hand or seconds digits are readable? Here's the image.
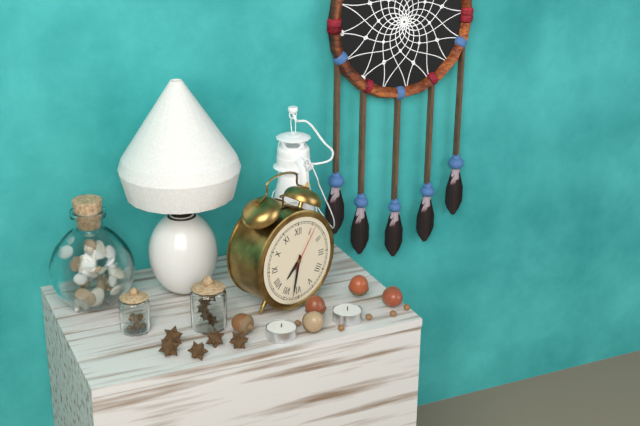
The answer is 7:32:06
